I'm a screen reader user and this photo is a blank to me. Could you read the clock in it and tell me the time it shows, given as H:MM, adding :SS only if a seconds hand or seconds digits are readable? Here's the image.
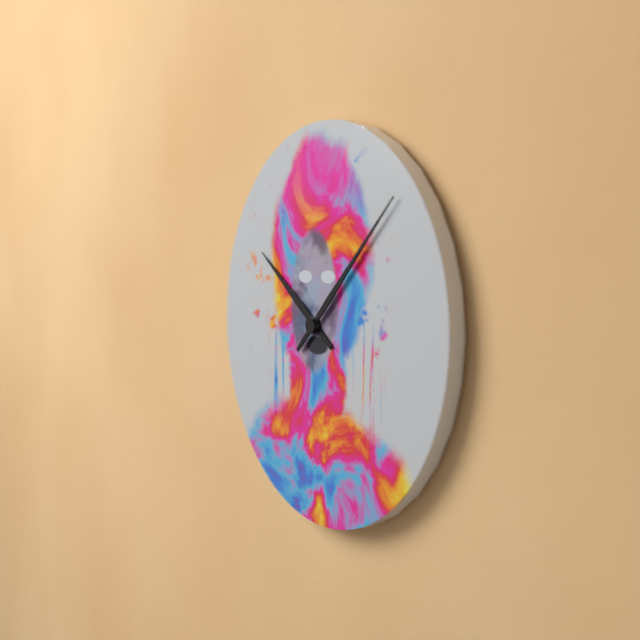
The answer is 10:08
